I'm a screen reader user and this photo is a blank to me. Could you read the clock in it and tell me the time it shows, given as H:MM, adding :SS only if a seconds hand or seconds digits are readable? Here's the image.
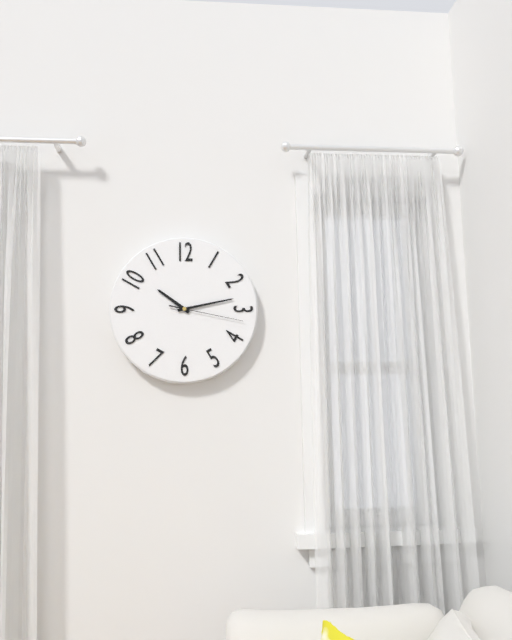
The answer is 10:13:17
